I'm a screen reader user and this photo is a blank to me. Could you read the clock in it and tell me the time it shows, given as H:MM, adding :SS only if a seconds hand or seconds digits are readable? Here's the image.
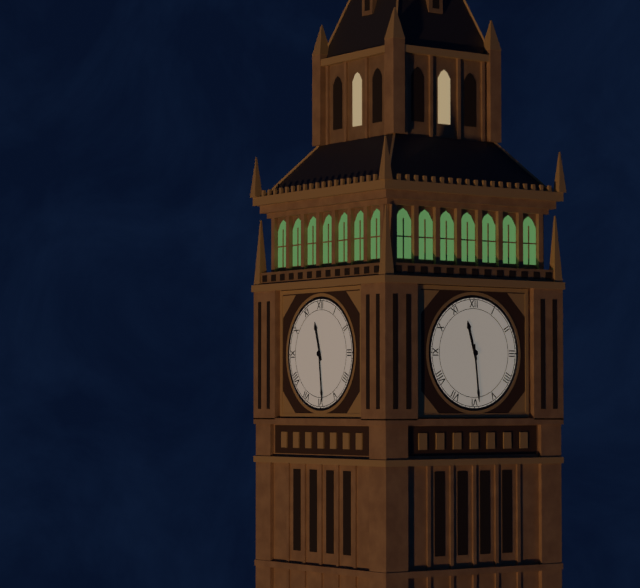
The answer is 11:29
